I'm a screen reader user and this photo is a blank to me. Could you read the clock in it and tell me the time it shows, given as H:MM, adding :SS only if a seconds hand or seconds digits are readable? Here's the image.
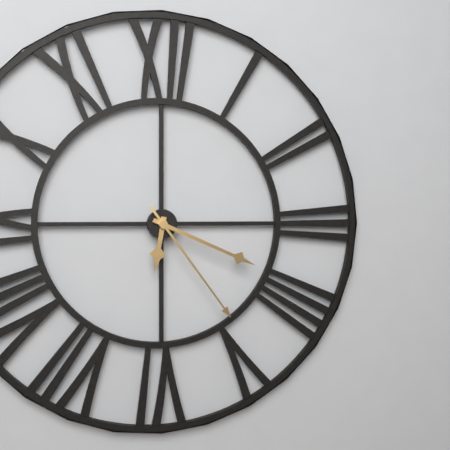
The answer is 6:19:24
